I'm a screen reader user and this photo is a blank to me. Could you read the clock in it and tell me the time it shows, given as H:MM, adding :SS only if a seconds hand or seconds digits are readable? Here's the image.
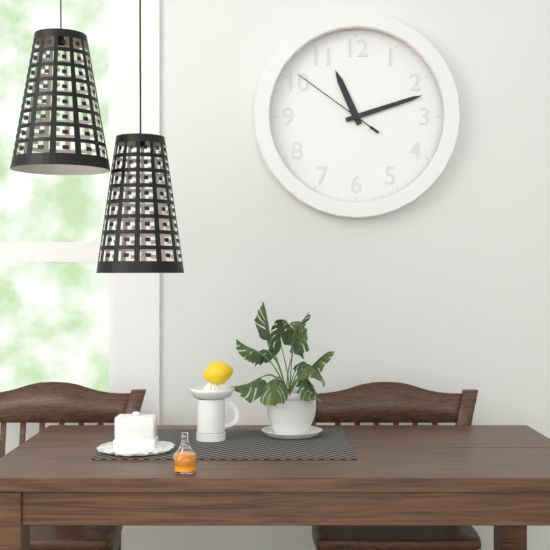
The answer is 11:12:51
